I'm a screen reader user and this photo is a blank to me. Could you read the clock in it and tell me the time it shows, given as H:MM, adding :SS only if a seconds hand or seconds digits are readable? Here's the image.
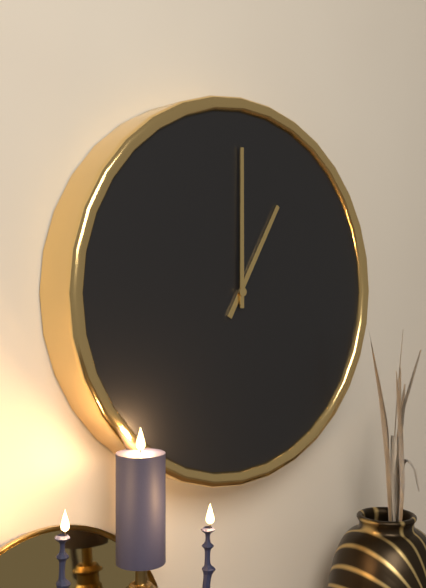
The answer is 1:00
